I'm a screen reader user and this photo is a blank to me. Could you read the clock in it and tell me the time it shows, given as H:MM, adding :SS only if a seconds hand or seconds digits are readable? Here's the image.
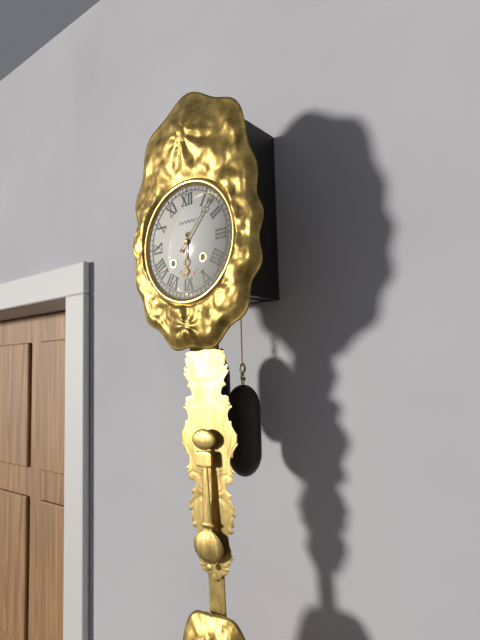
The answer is 6:07
